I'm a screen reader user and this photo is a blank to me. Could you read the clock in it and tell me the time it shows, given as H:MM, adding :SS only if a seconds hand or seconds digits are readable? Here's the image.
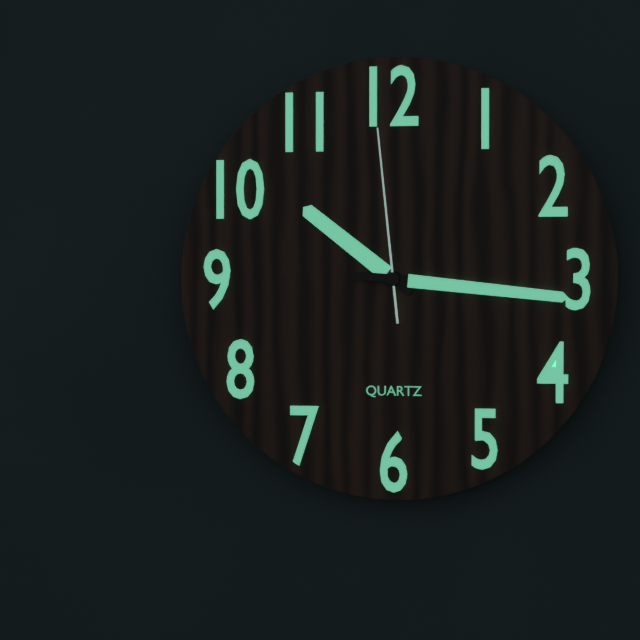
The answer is 10:16:59
